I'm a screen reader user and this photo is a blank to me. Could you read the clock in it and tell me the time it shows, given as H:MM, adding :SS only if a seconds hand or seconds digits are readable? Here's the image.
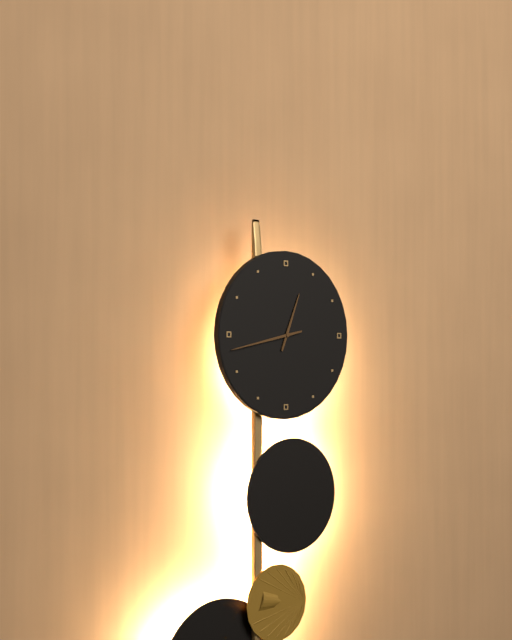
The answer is 12:43
